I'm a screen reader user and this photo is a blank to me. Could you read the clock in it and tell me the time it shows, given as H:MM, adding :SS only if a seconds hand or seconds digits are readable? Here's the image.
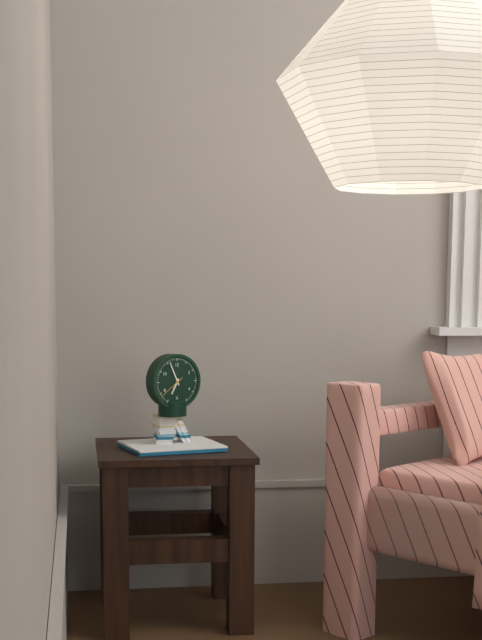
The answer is 6:56
